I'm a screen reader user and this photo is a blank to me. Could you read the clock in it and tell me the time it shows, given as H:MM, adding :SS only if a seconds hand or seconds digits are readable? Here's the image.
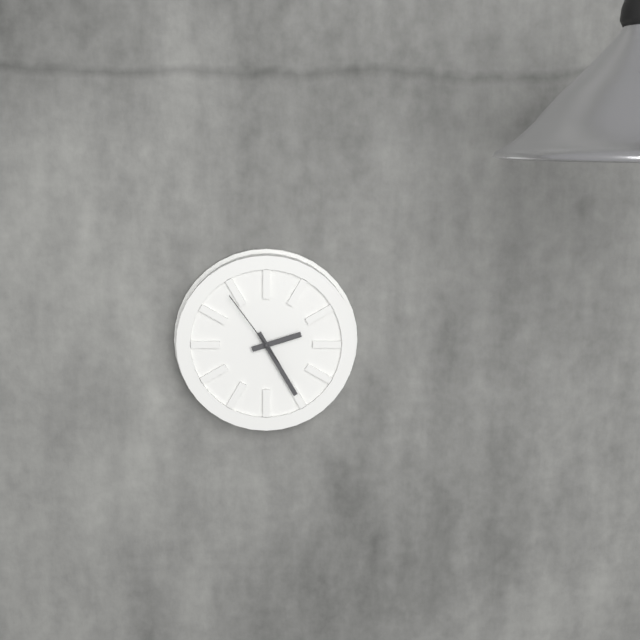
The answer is 2:25:54
